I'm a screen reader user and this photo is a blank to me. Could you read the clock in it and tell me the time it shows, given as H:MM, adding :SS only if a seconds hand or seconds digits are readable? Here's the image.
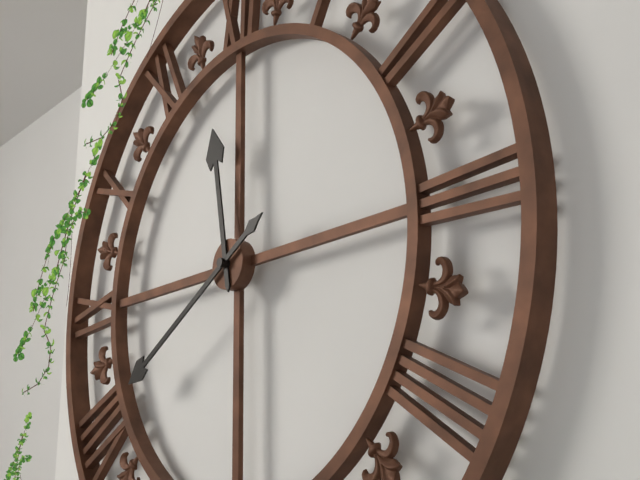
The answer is 11:40
